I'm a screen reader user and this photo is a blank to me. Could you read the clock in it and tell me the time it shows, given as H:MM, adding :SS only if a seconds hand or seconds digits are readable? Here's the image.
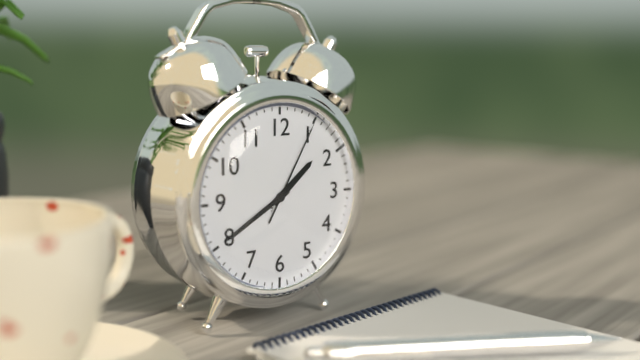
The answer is 1:40:05
